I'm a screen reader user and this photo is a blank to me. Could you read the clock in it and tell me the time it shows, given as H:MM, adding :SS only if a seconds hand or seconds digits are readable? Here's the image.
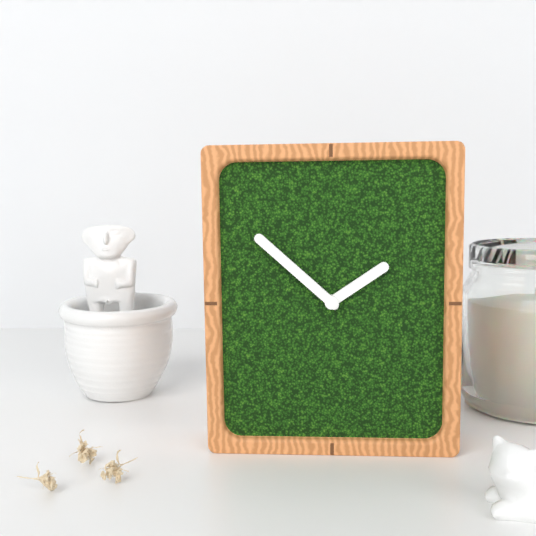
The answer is 1:52
